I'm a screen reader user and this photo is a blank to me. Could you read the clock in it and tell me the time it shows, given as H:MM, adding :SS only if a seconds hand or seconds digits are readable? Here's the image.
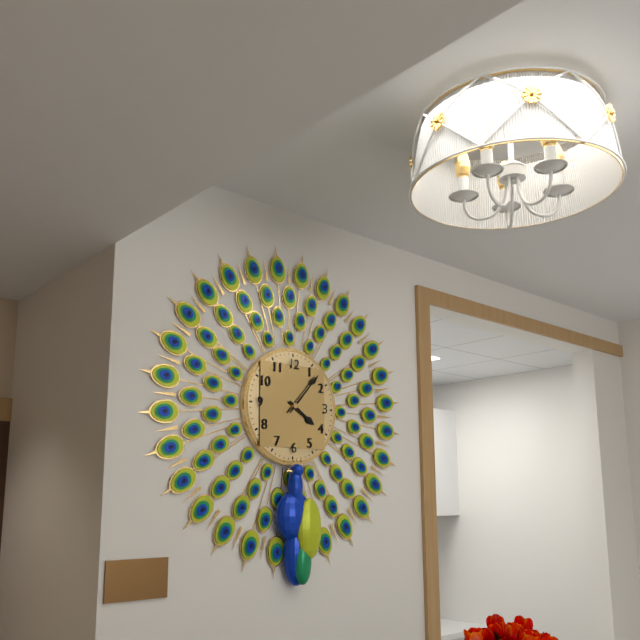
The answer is 4:07
